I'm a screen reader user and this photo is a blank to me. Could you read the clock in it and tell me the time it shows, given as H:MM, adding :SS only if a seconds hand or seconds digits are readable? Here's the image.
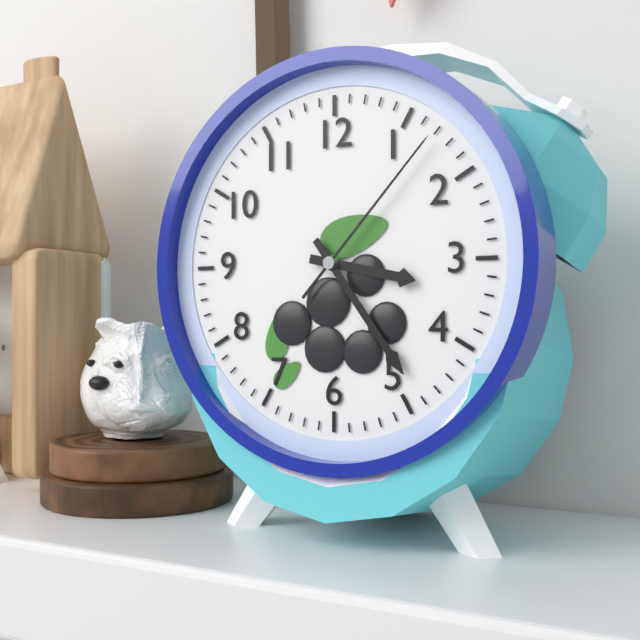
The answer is 3:24:07
